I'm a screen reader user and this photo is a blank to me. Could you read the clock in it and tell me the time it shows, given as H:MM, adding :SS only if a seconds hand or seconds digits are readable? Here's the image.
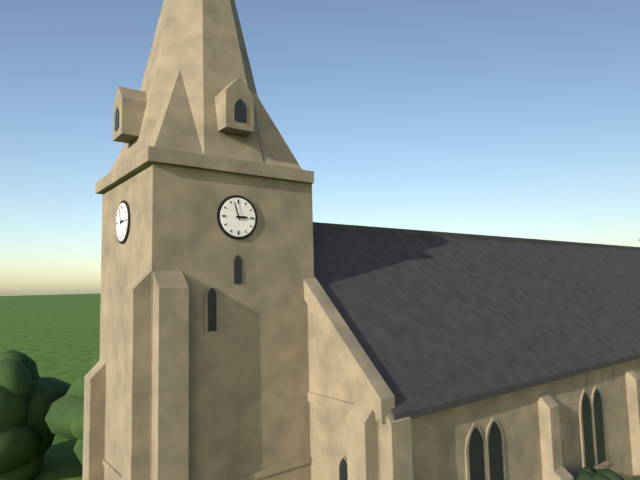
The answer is 2:57
